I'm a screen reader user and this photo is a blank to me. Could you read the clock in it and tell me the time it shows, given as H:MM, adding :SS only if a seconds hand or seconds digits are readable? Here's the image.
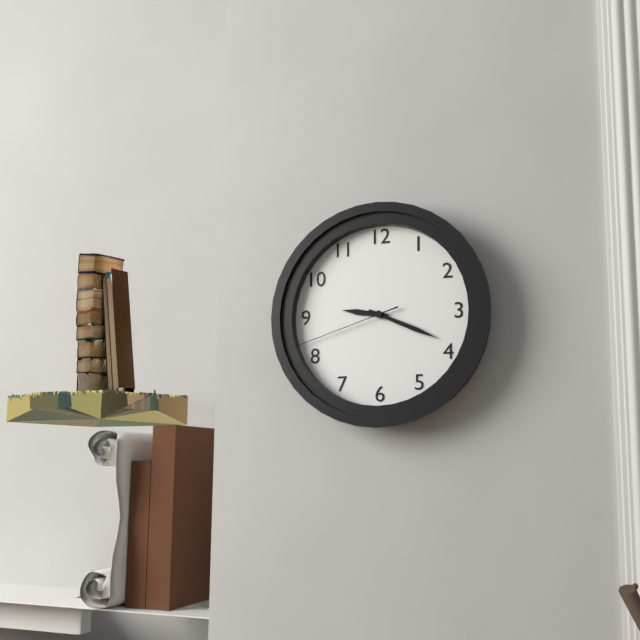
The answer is 9:19:42
